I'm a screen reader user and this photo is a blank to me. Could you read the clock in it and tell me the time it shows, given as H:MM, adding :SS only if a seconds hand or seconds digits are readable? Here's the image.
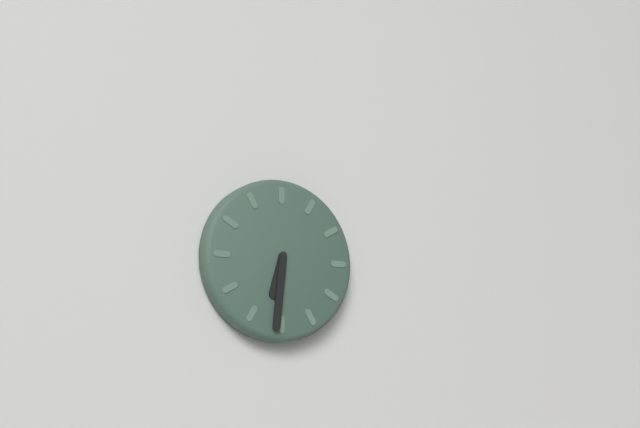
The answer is 6:31
